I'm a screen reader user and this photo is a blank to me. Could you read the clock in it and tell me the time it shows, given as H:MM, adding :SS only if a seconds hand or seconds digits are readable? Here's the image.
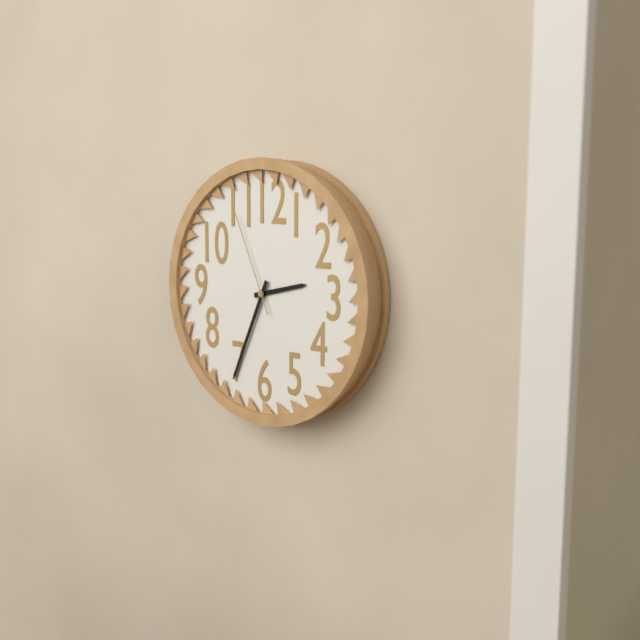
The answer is 2:34:56
